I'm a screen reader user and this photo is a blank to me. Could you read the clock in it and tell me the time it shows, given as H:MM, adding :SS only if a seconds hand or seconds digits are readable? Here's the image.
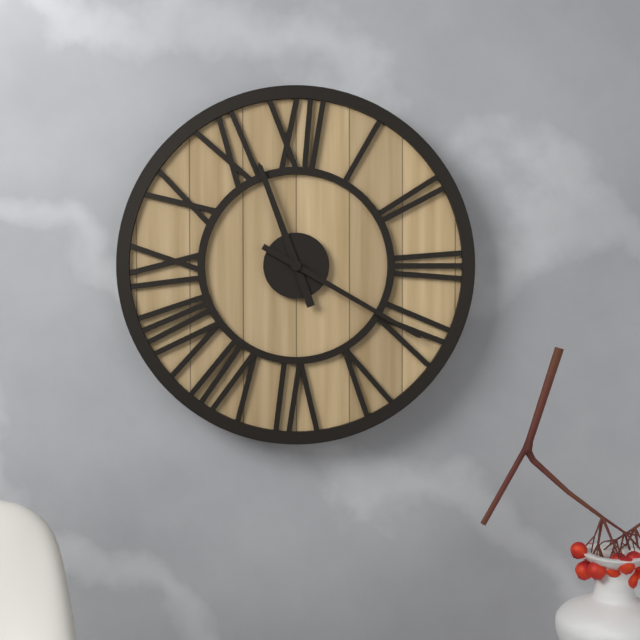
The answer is 11:20
